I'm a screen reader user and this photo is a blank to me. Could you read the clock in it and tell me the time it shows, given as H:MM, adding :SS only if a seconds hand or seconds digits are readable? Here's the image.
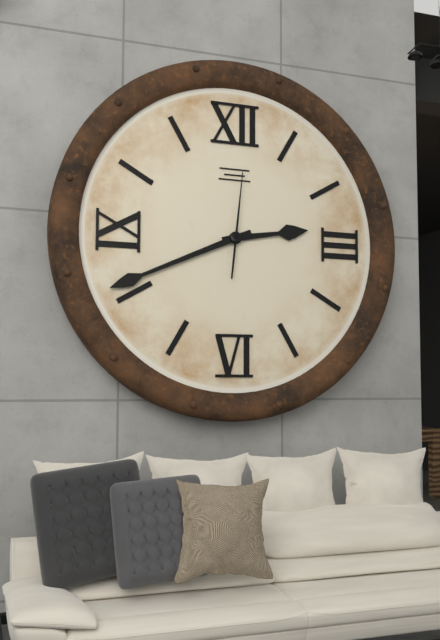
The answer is 2:41:01
